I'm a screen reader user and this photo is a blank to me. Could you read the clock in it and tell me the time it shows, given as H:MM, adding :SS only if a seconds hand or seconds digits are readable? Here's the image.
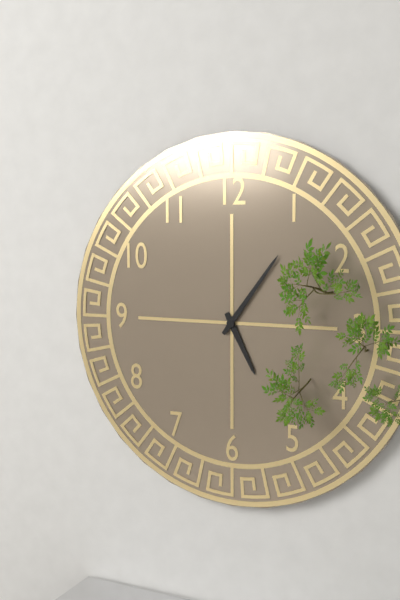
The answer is 5:06
